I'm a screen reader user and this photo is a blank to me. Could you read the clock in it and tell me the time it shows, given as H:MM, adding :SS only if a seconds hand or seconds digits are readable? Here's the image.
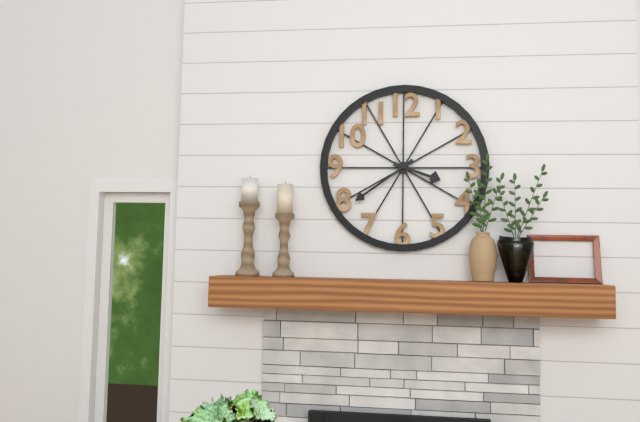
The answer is 3:39
